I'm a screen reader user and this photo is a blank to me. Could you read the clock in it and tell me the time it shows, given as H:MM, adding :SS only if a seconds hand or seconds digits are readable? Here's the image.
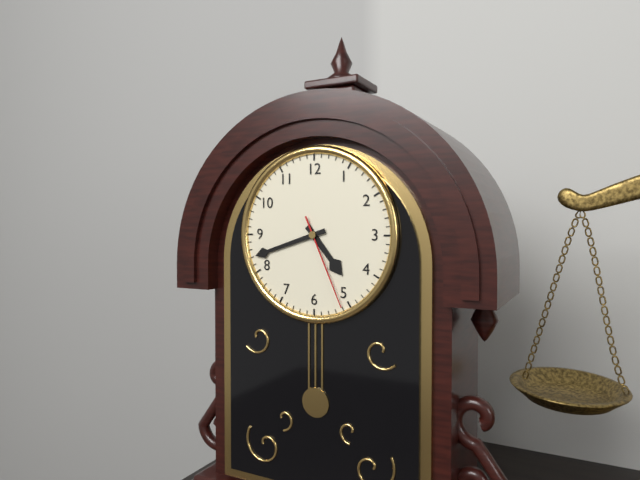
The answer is 4:42:26
